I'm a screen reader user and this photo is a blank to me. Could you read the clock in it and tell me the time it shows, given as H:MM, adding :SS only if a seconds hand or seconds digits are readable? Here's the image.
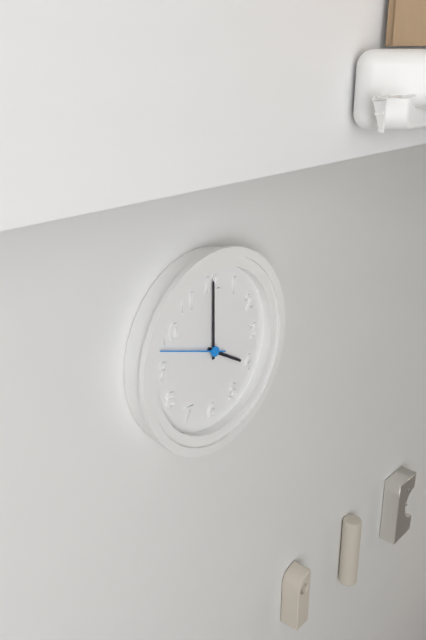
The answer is 4:00:48
